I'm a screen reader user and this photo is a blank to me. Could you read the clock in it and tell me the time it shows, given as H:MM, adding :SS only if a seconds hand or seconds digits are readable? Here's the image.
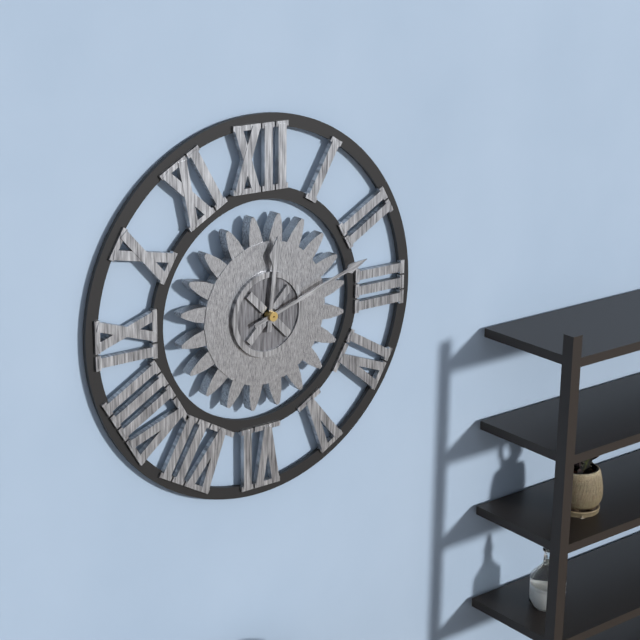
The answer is 12:12
